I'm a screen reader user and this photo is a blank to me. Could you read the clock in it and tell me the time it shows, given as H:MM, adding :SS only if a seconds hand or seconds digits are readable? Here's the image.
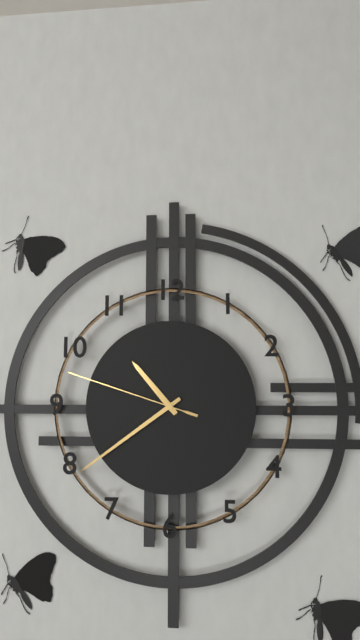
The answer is 10:39:48
